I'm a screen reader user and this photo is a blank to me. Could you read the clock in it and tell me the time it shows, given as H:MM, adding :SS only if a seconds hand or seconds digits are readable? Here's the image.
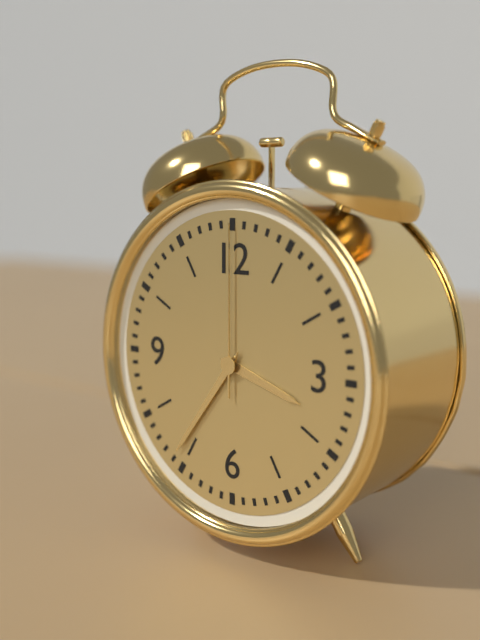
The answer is 3:36:00
